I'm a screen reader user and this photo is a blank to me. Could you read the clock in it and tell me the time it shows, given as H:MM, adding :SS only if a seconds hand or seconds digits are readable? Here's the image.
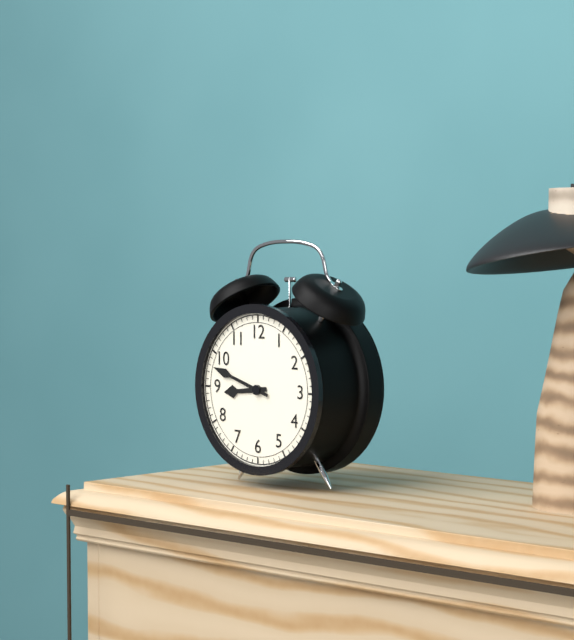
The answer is 8:48
